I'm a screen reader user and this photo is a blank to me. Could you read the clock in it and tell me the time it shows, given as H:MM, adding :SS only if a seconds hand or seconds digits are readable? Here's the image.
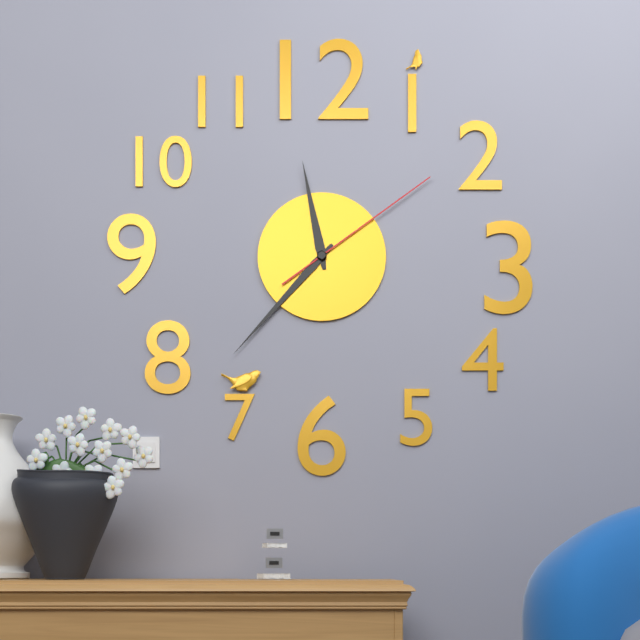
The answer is 11:37:09
